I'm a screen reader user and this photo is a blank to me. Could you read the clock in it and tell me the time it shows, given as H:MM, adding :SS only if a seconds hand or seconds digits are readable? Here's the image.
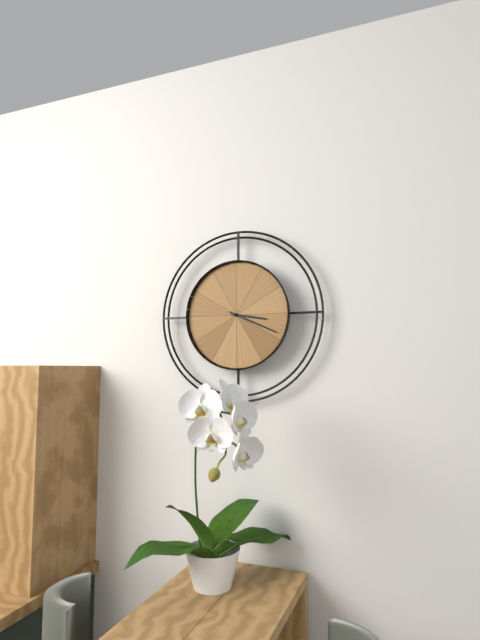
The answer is 3:19
